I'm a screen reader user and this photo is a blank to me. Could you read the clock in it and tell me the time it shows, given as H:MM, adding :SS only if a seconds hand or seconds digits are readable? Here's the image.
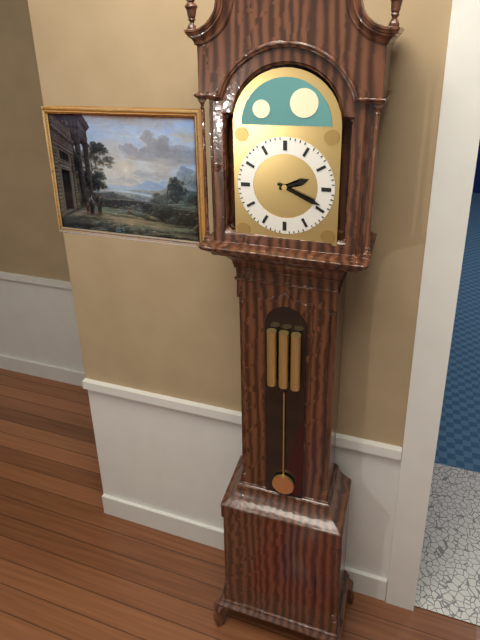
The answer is 2:19
